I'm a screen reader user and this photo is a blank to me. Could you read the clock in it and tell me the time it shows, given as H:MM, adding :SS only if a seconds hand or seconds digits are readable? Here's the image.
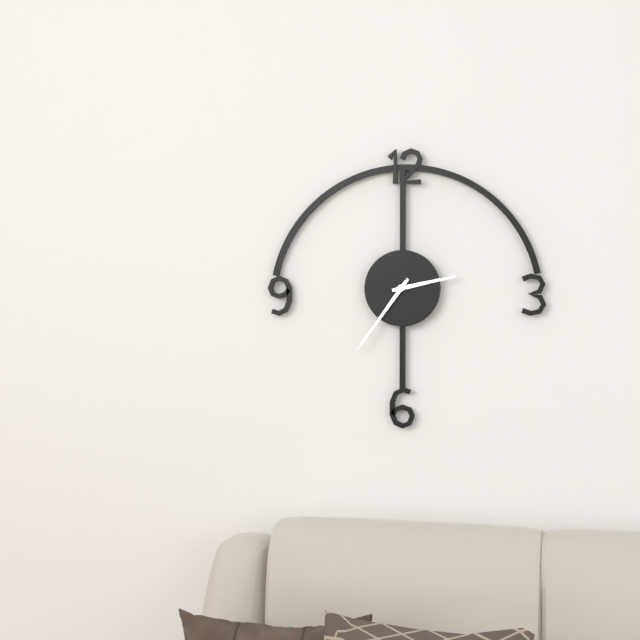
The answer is 2:36
